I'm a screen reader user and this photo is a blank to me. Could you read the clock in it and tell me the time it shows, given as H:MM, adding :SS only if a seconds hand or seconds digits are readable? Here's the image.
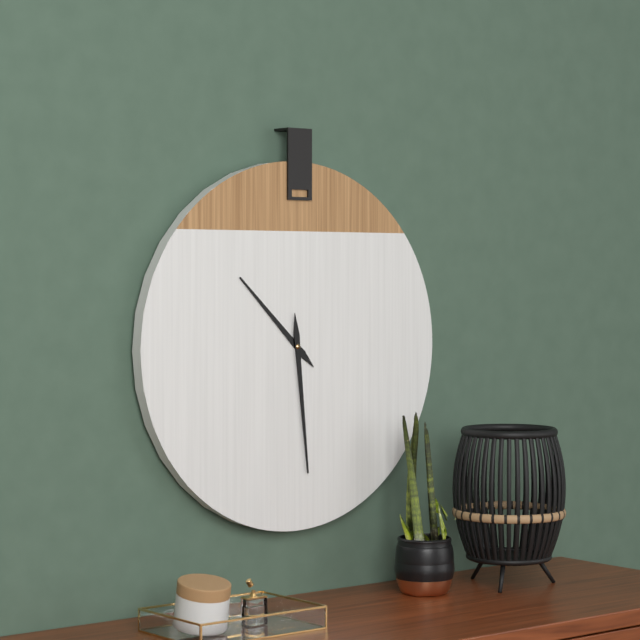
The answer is 10:29
